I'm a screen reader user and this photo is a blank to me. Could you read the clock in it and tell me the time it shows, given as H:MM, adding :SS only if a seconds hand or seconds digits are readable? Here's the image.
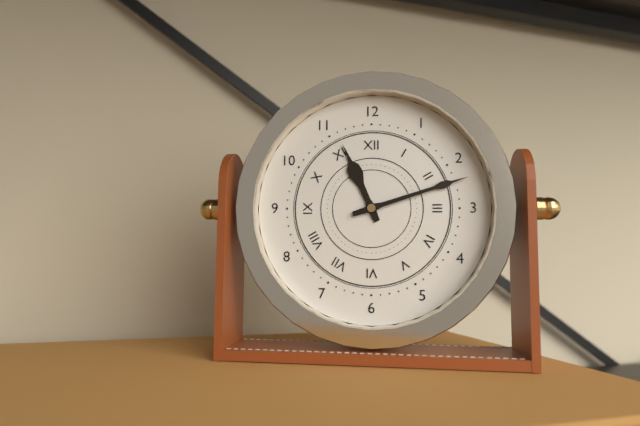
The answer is 11:12
